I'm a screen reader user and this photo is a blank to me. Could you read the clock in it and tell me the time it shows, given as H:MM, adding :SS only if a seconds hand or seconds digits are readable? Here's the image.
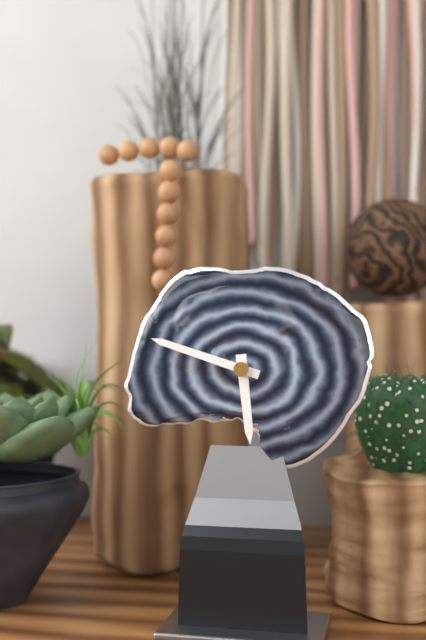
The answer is 5:48
